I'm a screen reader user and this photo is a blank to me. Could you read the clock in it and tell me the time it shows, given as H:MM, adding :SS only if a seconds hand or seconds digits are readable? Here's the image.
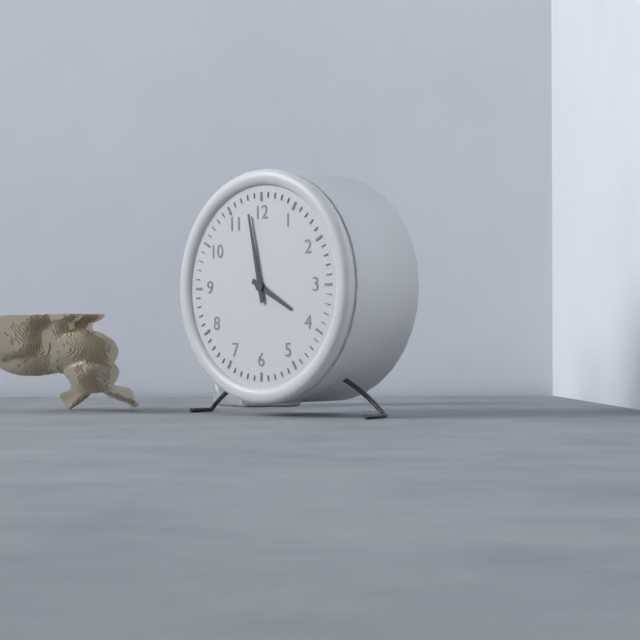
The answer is 3:58
